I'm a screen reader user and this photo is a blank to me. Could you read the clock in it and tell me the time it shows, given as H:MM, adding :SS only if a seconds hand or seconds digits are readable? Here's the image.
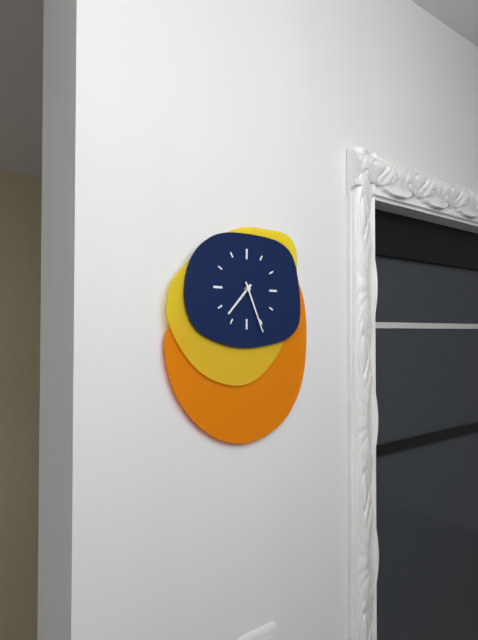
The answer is 7:26
